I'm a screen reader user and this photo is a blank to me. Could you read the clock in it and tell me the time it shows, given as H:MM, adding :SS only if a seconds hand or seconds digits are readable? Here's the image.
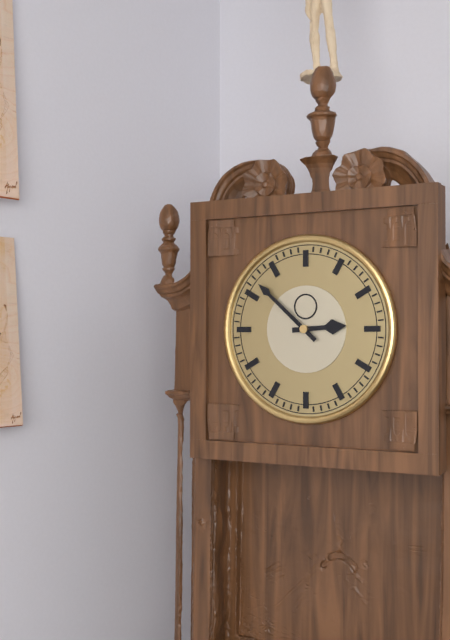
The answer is 2:52
